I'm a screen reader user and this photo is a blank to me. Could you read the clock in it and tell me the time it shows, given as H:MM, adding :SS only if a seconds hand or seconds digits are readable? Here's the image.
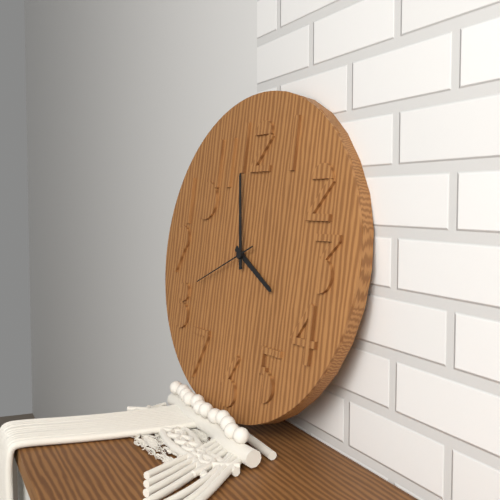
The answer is 3:58:41
